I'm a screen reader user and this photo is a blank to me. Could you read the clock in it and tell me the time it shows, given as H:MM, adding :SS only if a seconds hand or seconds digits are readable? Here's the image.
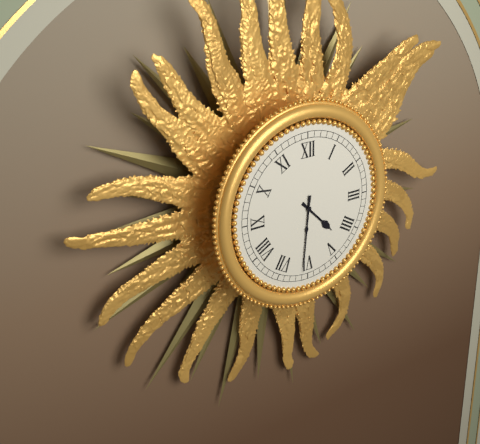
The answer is 4:31
